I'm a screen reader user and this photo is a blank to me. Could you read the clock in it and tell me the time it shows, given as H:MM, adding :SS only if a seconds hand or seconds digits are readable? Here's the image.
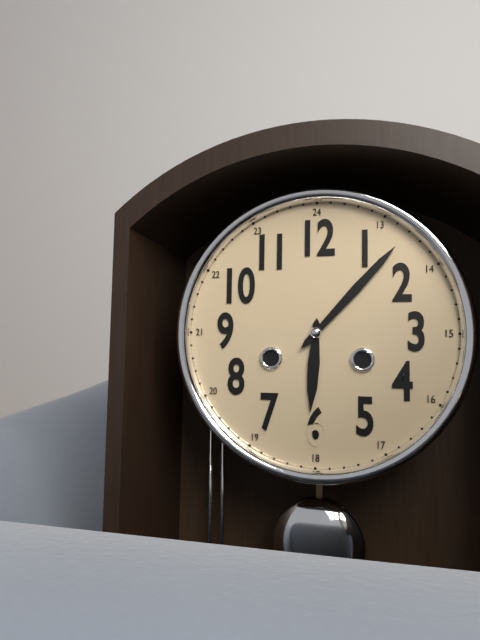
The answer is 6:07
